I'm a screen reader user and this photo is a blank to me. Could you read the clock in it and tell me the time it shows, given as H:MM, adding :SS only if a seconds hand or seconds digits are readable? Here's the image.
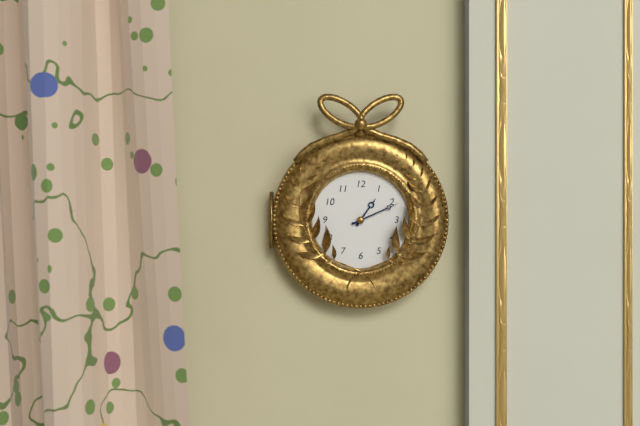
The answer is 1:11
